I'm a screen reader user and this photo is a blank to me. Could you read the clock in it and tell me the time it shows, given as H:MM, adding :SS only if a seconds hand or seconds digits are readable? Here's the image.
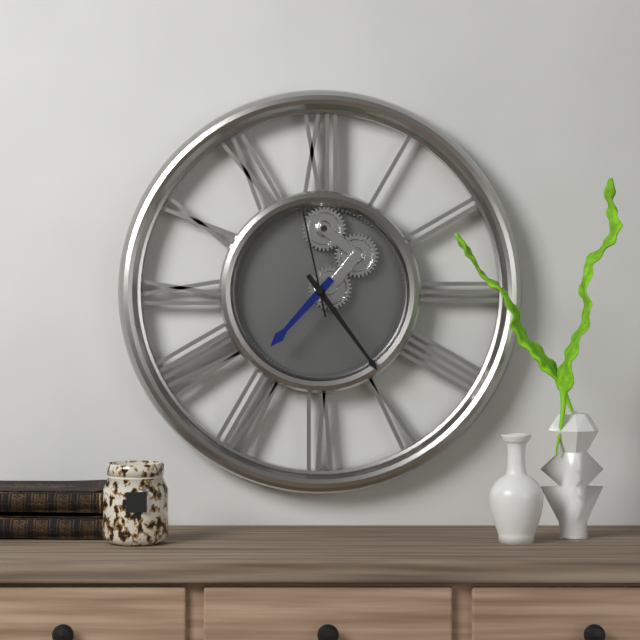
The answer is 7:24:58
